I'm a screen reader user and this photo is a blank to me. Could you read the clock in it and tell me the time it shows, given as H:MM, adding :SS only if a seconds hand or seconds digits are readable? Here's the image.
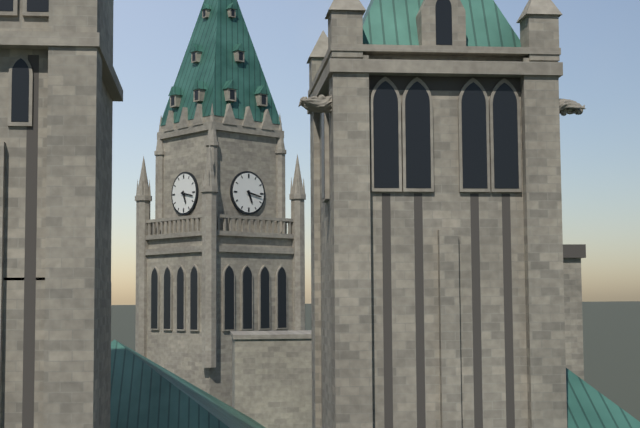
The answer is 5:17
